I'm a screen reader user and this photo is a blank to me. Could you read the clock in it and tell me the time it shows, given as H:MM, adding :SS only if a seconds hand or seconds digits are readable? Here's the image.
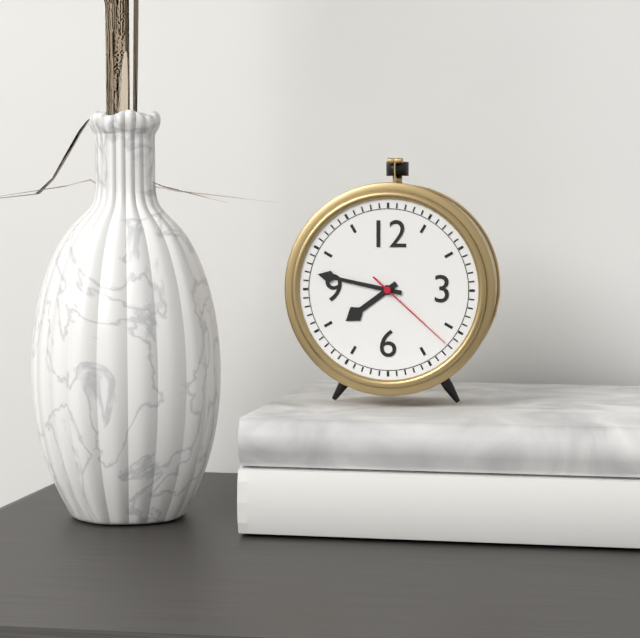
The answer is 7:47:22
